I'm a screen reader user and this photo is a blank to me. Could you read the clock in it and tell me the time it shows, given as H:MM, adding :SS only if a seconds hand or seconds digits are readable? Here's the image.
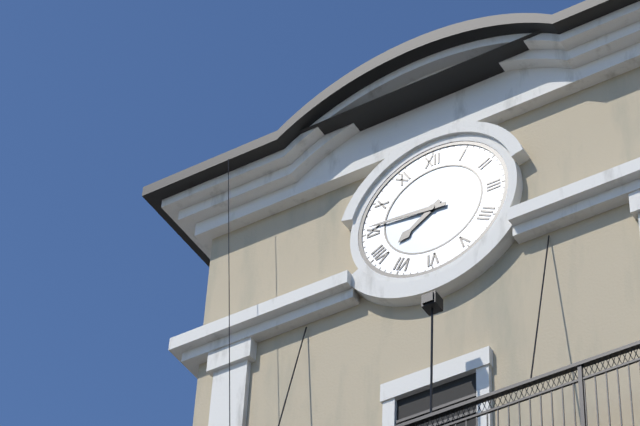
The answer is 7:46
